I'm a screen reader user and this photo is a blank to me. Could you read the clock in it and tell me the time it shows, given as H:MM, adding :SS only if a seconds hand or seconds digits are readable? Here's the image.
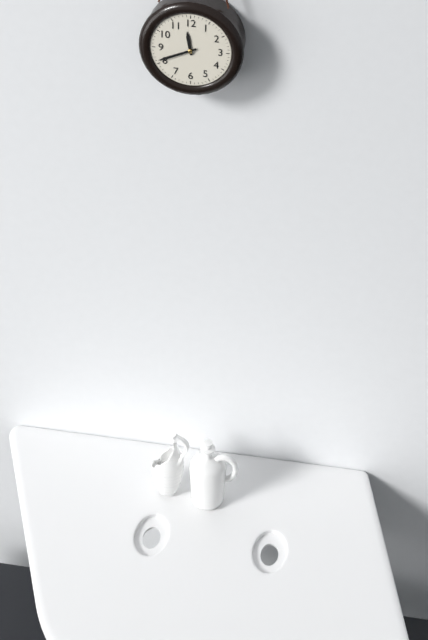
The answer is 11:41
